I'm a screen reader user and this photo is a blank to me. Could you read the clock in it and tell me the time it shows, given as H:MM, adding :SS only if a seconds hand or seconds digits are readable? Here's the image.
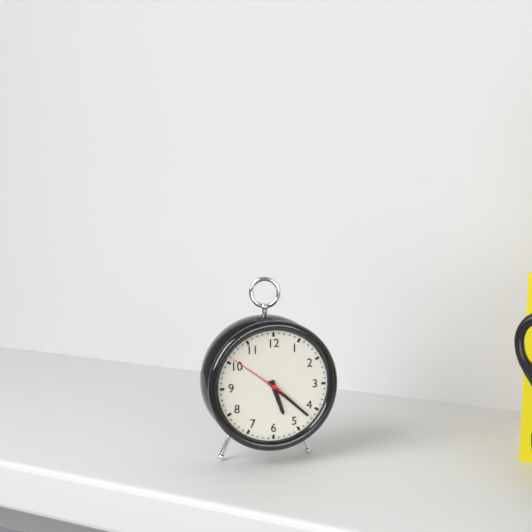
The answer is 5:22:51
